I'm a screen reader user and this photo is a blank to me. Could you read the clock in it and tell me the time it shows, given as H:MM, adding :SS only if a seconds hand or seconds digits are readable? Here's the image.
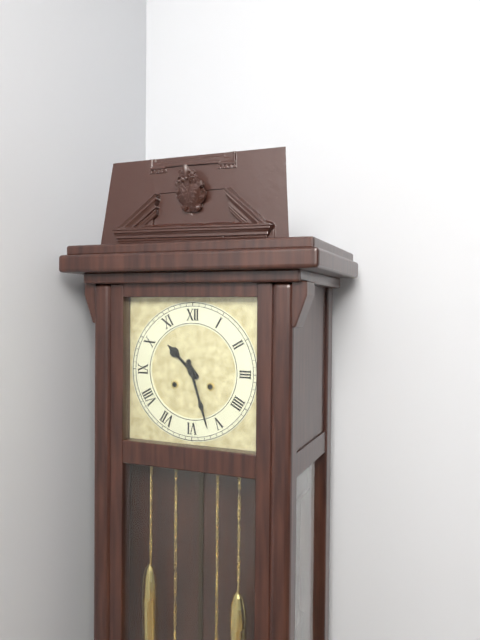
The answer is 10:27
